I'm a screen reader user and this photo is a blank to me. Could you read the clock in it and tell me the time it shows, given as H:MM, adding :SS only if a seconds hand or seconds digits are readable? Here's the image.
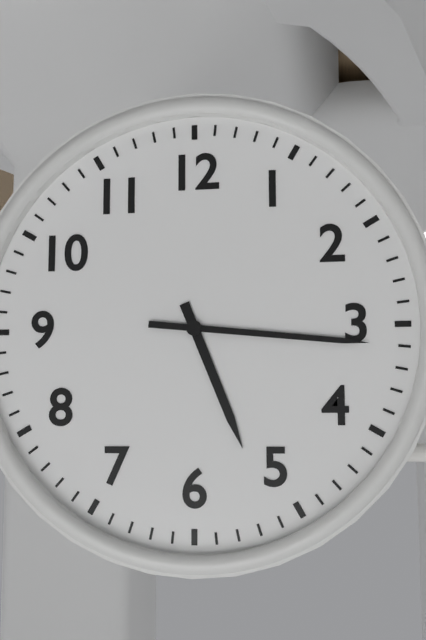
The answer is 5:16
